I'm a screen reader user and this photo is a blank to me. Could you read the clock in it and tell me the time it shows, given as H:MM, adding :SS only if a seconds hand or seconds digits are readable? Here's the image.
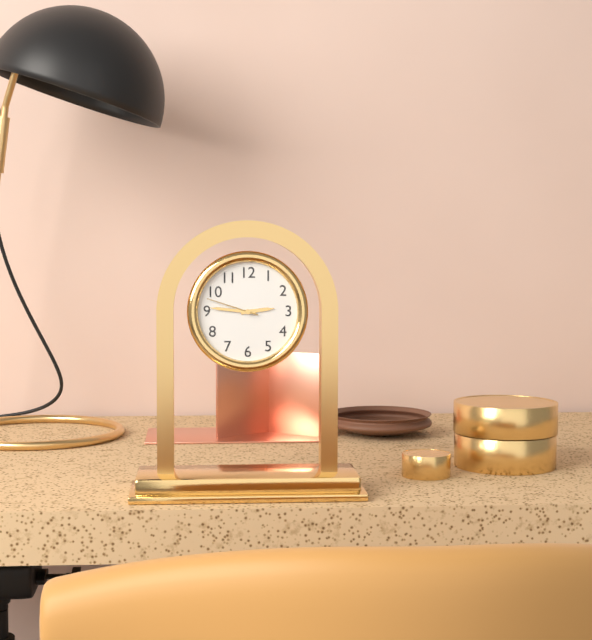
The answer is 2:46:48
